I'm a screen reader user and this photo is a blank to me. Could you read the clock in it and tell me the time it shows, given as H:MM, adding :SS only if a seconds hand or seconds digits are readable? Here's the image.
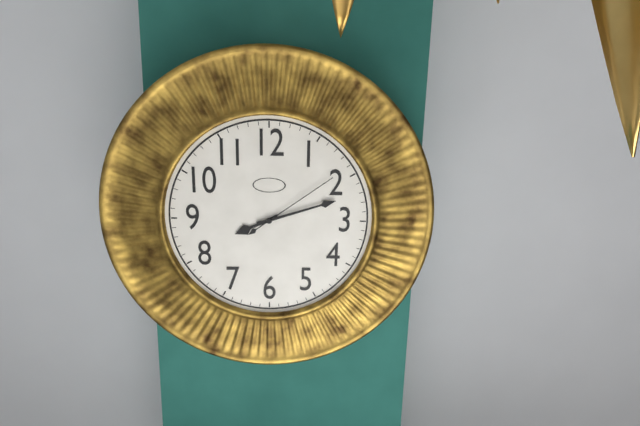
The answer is 8:12:09
